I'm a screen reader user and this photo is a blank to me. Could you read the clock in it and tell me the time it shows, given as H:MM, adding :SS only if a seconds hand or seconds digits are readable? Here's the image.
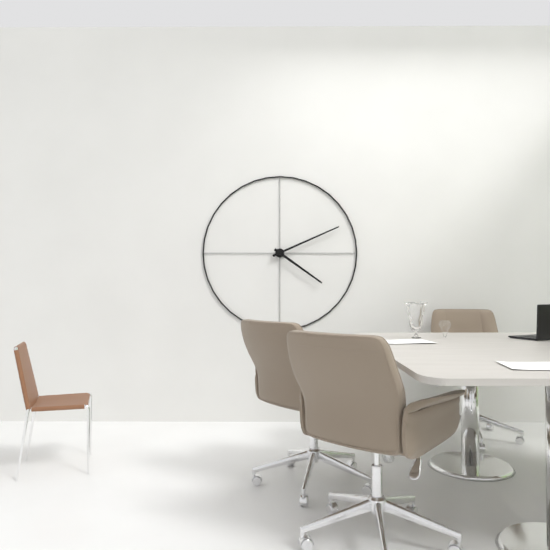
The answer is 4:11
